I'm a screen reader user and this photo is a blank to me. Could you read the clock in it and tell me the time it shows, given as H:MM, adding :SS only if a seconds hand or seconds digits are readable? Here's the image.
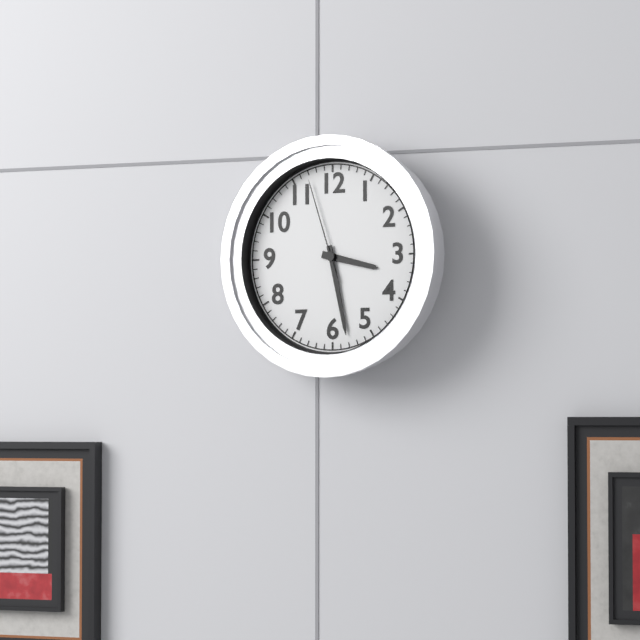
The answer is 3:28:57
